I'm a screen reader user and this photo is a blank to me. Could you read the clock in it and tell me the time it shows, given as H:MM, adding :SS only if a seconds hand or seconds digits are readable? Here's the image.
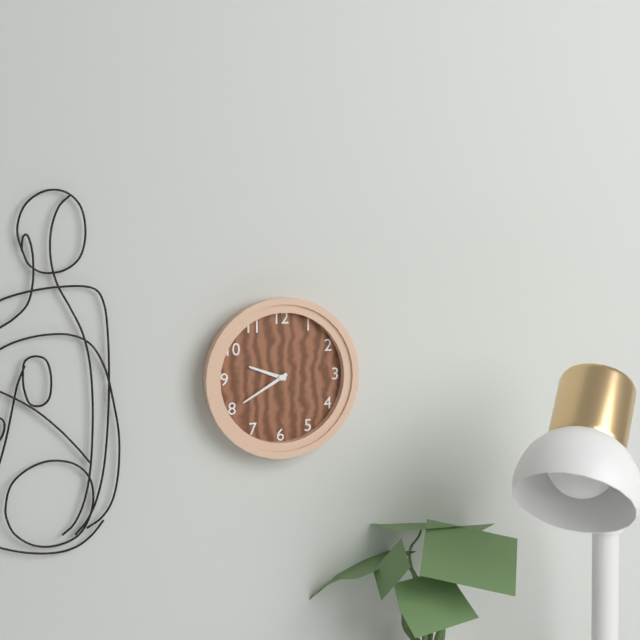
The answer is 9:40
